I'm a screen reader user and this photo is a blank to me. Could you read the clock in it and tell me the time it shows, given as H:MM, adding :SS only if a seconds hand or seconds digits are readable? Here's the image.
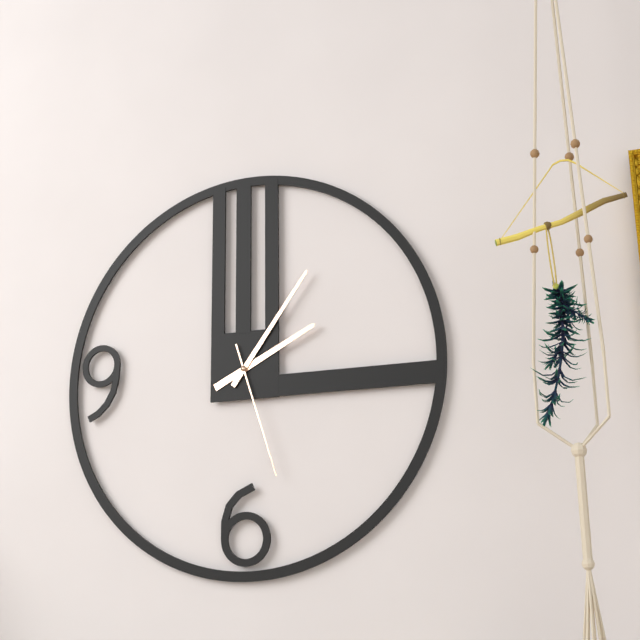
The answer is 2:06:27
